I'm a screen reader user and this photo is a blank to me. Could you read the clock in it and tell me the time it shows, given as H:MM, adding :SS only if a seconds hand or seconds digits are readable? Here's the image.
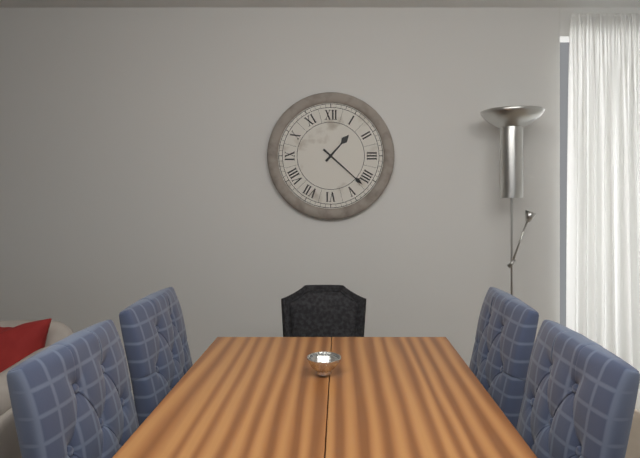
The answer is 1:22
